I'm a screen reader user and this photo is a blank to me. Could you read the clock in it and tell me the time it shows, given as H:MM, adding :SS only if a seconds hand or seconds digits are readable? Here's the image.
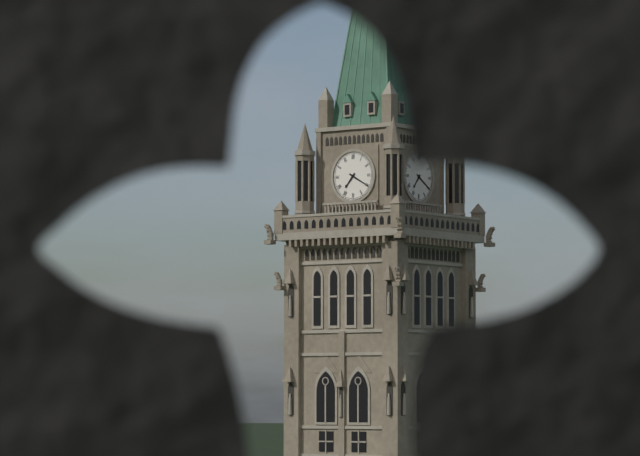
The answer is 7:20
